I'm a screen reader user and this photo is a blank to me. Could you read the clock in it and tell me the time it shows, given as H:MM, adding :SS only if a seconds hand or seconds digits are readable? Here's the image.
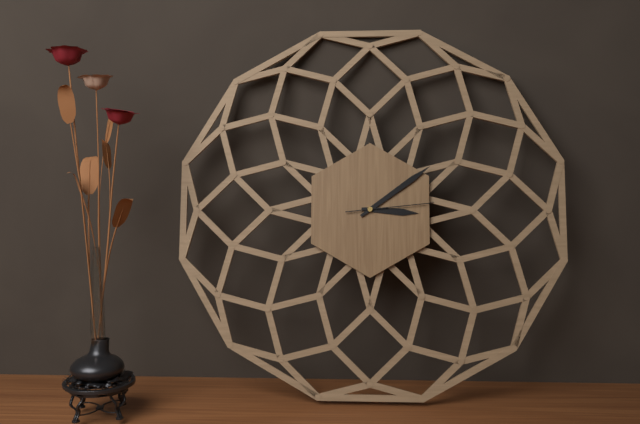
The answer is 3:09:14
